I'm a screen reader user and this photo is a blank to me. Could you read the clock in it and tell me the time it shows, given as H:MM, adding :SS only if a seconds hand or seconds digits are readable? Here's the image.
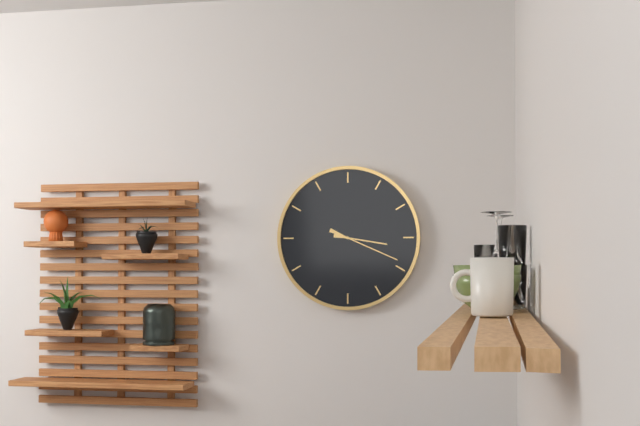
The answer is 3:19
